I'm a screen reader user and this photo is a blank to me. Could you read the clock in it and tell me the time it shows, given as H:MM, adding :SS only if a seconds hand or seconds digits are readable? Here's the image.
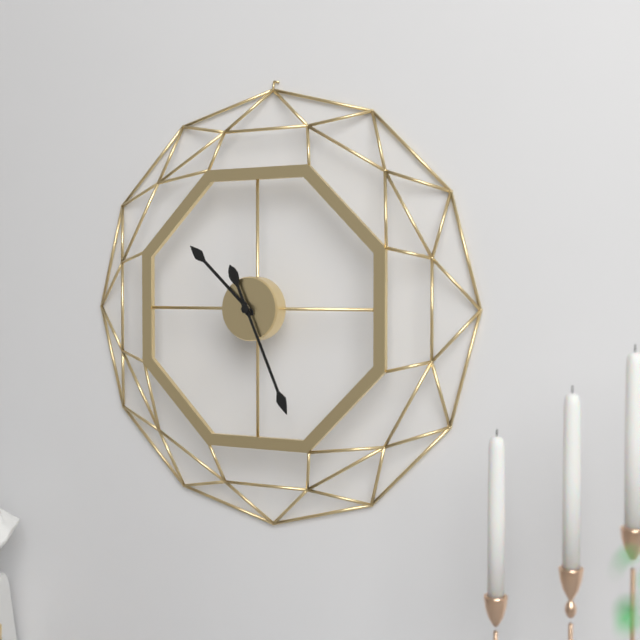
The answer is 10:26
